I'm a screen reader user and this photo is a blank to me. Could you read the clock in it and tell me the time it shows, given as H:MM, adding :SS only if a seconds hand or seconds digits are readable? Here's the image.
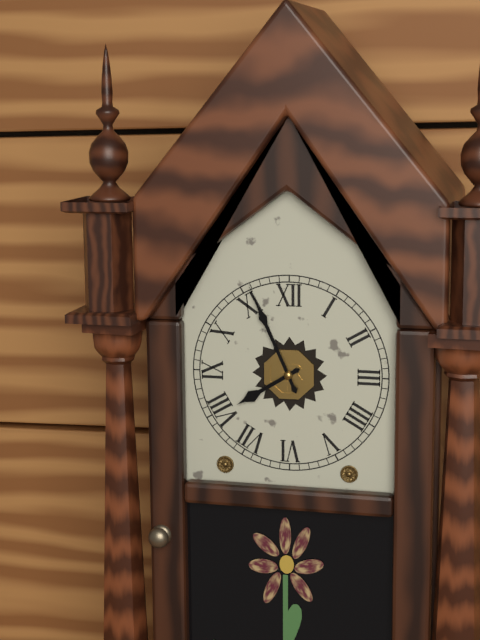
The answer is 7:56
